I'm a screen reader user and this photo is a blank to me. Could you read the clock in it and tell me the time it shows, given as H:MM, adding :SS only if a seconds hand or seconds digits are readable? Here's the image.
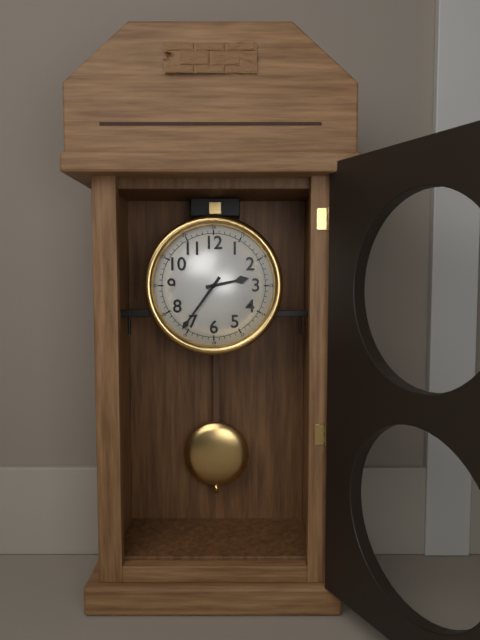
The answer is 2:36
